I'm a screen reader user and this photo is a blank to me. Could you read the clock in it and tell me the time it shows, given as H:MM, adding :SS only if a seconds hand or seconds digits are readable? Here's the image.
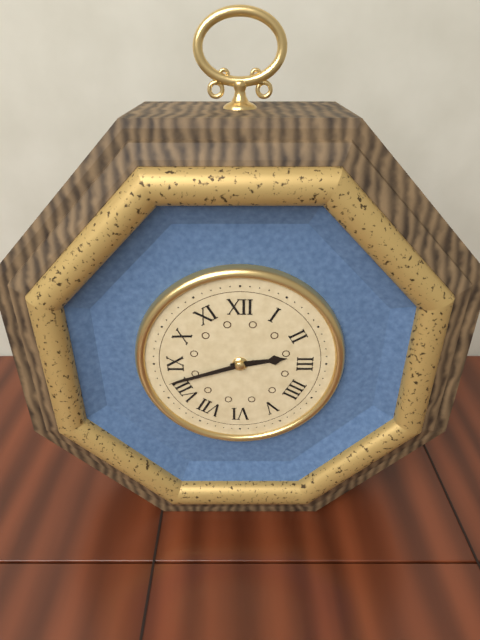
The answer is 2:42
